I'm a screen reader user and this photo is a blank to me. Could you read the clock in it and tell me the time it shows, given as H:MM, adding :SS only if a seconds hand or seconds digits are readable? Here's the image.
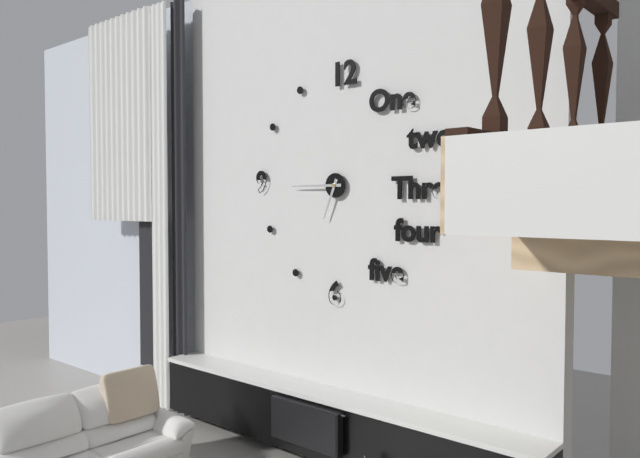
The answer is 6:45
